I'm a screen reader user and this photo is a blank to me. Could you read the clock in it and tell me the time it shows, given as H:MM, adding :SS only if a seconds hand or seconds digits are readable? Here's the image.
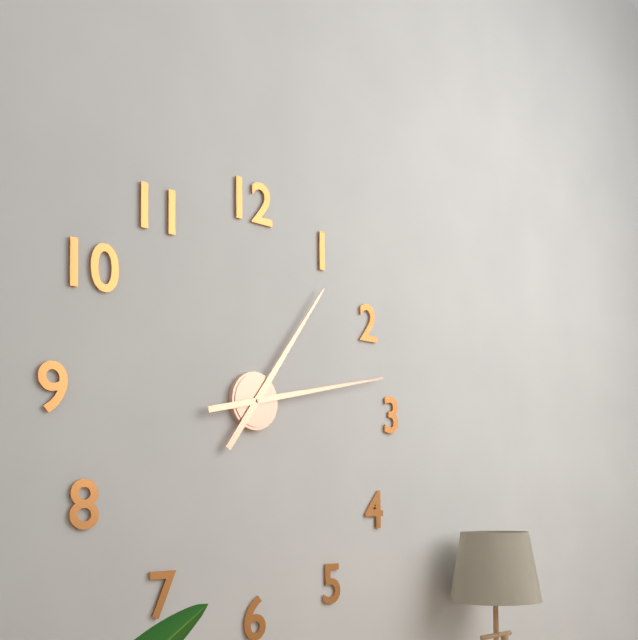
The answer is 1:13
